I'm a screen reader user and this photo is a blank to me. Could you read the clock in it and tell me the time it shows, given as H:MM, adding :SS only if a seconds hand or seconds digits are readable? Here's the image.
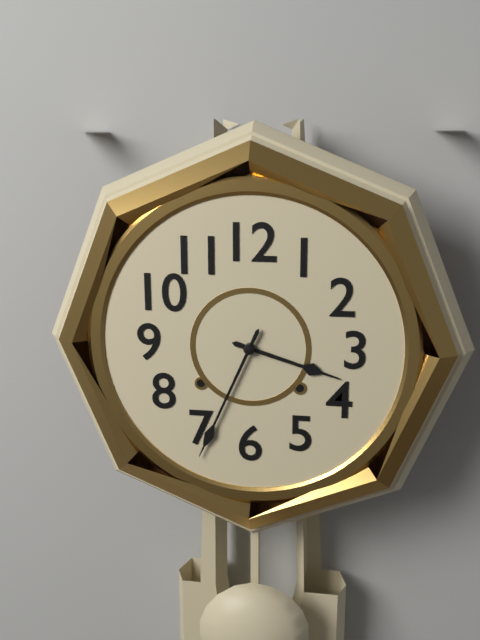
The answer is 3:34
